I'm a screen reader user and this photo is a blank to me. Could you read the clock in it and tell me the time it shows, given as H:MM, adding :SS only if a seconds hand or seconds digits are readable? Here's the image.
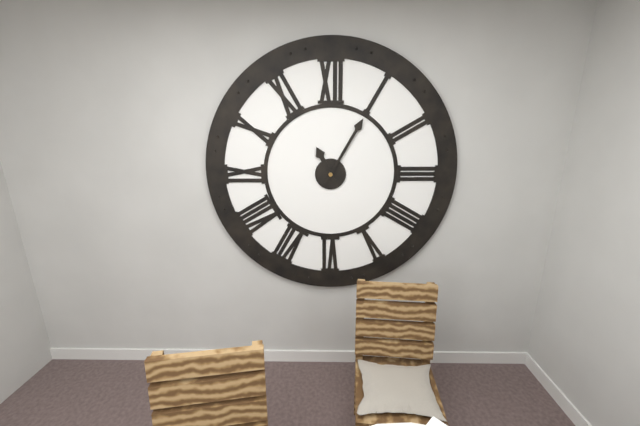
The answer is 11:05
